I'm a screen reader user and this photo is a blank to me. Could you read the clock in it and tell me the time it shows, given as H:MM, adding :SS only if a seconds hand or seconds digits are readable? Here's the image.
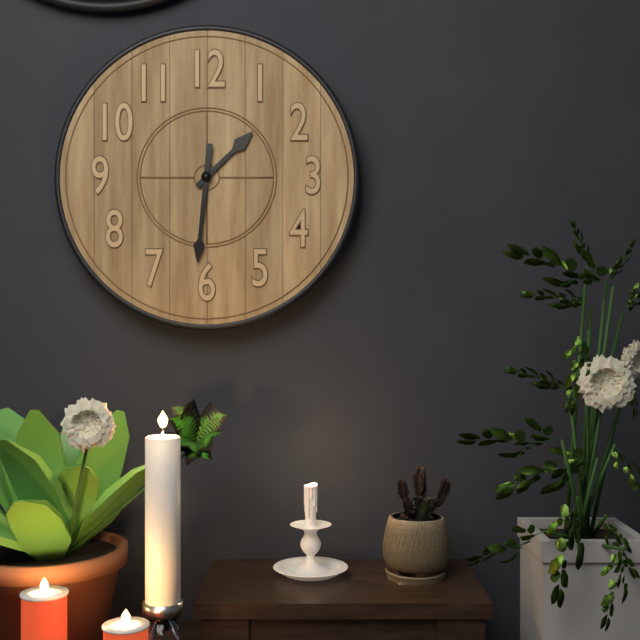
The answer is 1:31
